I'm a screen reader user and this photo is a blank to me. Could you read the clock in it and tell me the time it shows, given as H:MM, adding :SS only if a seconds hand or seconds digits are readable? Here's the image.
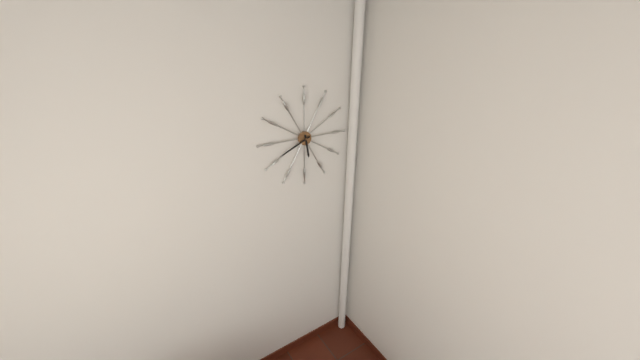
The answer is 5:41
